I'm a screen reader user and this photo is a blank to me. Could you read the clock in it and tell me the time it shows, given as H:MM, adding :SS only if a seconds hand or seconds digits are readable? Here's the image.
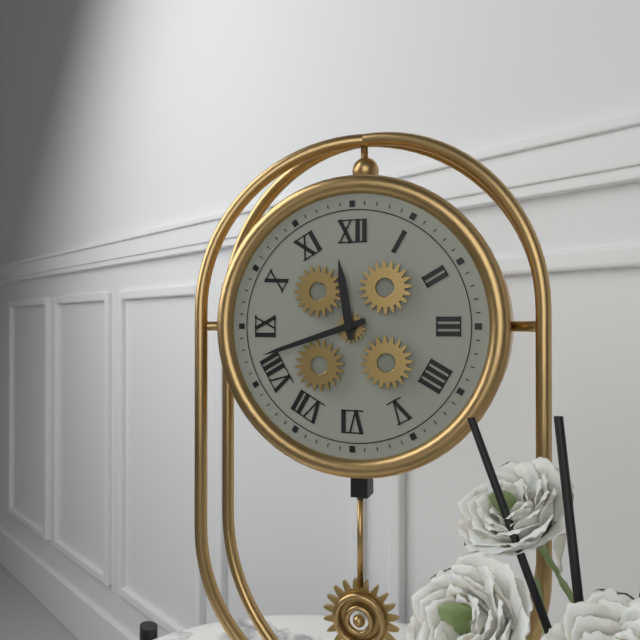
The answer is 11:42
